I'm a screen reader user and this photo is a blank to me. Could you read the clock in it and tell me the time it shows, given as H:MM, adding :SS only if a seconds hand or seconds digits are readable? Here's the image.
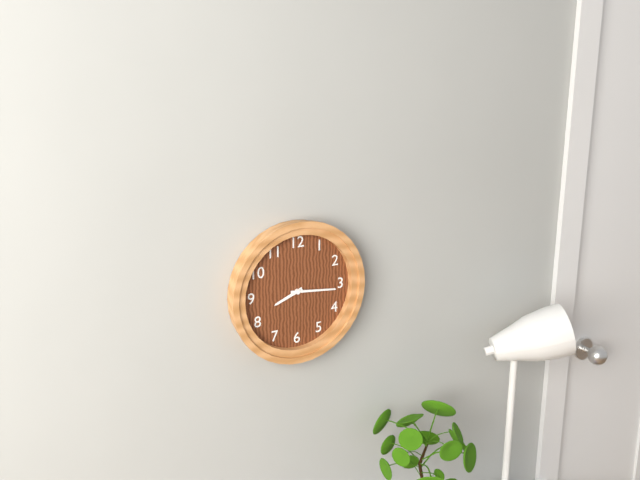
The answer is 8:16
